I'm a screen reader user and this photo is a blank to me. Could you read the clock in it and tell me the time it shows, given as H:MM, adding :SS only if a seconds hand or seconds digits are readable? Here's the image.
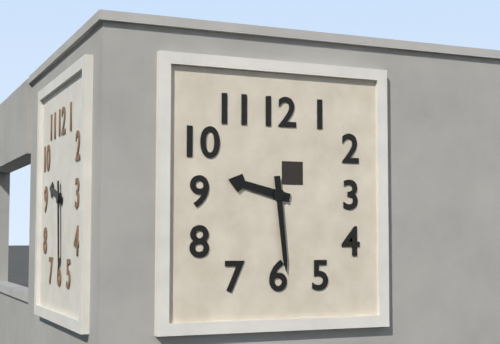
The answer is 9:29
